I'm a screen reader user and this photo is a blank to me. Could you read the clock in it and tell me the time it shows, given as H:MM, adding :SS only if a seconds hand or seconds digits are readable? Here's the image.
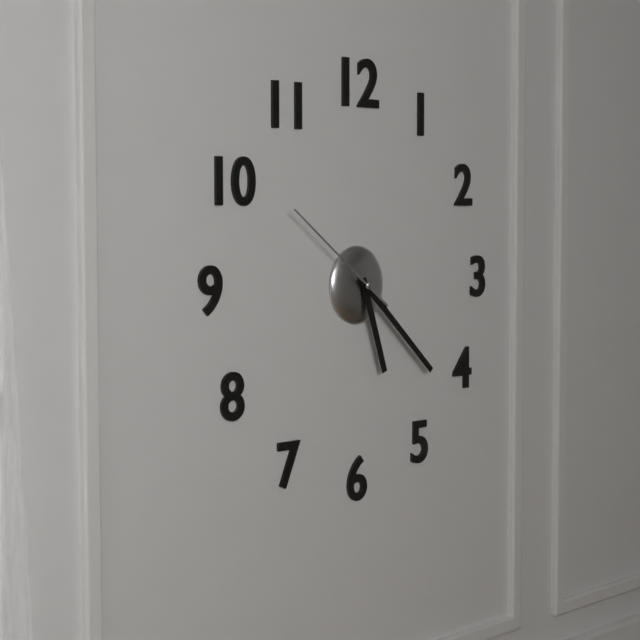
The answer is 5:22:51
